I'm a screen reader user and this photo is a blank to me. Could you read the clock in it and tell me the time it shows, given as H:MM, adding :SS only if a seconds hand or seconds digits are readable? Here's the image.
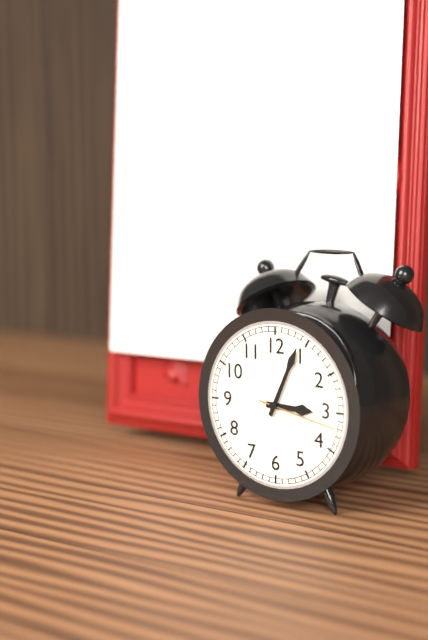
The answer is 3:04:17
